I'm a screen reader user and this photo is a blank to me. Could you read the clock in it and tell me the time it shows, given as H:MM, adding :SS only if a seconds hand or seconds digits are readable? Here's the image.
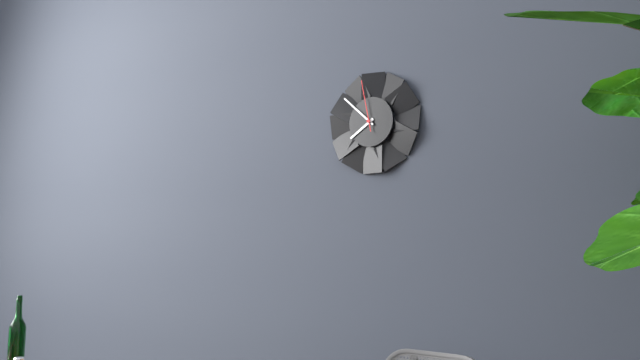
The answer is 7:52:58
